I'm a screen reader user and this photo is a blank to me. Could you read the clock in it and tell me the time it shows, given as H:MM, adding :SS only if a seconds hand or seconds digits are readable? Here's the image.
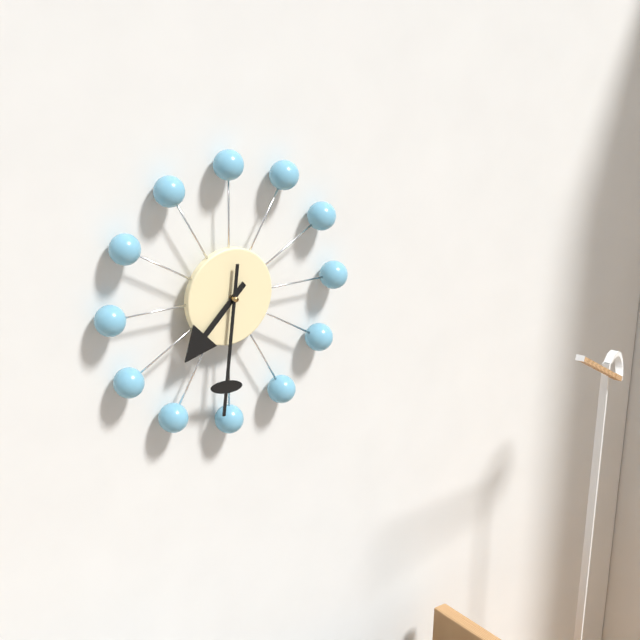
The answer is 7:31
